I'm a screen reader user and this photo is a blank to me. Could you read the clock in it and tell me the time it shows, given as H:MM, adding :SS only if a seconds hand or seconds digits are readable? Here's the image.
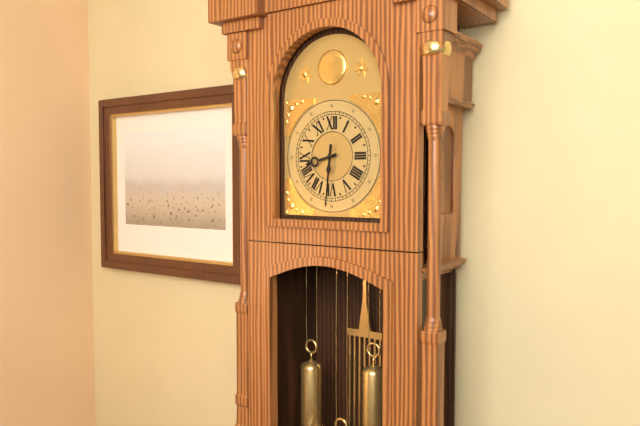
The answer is 8:31
